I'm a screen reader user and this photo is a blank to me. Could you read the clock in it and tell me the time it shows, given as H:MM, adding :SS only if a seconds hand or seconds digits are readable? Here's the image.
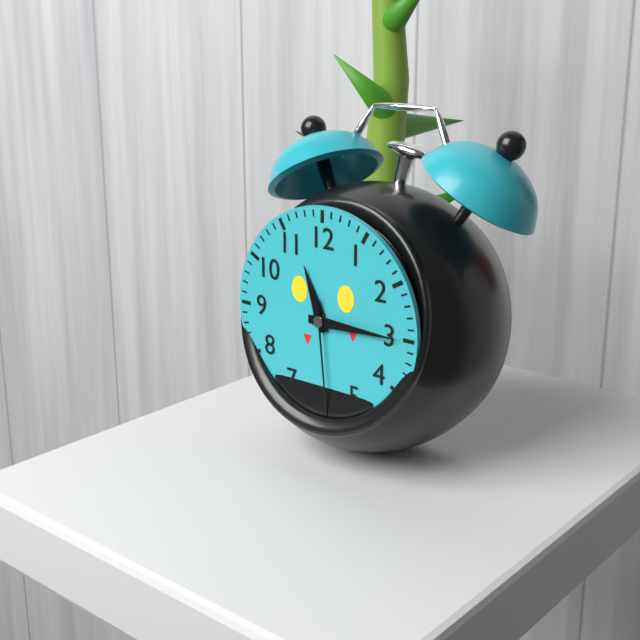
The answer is 11:15:29
